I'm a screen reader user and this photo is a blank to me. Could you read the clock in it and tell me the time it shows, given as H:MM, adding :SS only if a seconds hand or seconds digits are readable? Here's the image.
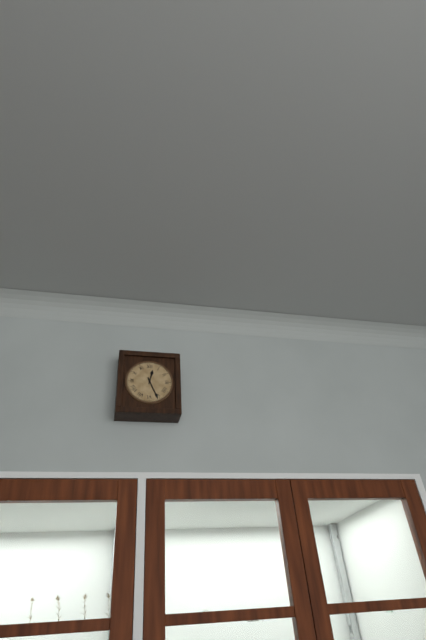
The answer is 12:26
